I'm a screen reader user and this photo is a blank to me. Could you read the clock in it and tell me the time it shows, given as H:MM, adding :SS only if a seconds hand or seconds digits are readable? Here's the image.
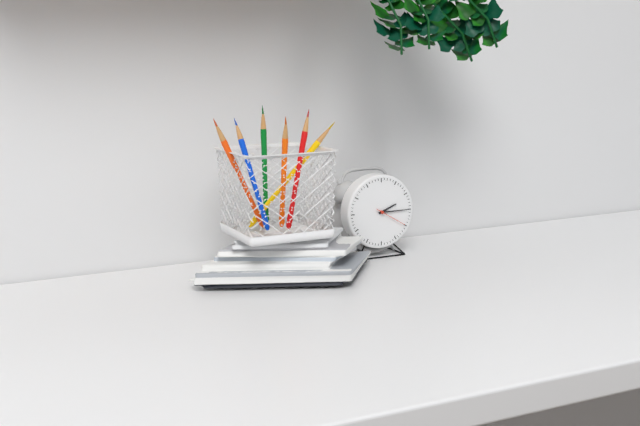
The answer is 2:15
